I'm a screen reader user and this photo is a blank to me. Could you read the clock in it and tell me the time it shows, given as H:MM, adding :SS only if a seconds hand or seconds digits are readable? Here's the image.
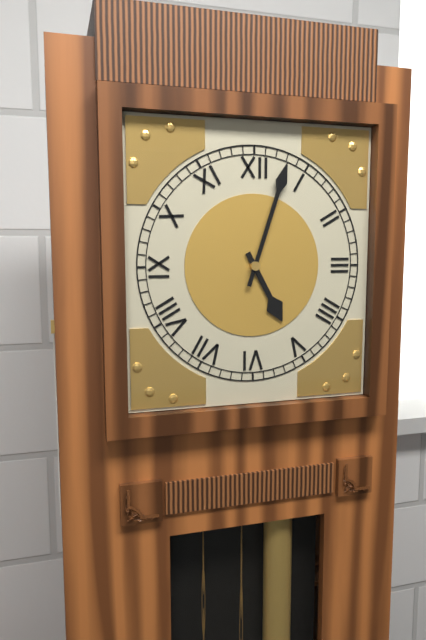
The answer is 5:03
